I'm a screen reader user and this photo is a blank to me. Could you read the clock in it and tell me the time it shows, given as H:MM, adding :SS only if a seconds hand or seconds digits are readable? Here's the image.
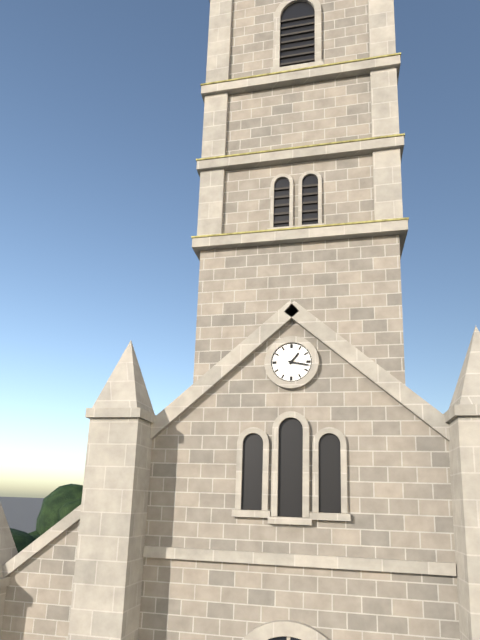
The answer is 1:17
